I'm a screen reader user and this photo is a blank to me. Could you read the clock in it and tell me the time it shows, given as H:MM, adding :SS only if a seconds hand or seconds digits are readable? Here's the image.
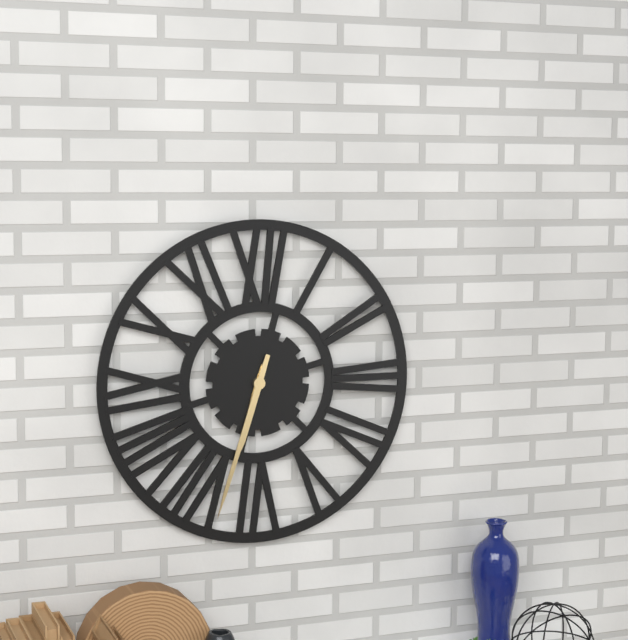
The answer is 6:33
